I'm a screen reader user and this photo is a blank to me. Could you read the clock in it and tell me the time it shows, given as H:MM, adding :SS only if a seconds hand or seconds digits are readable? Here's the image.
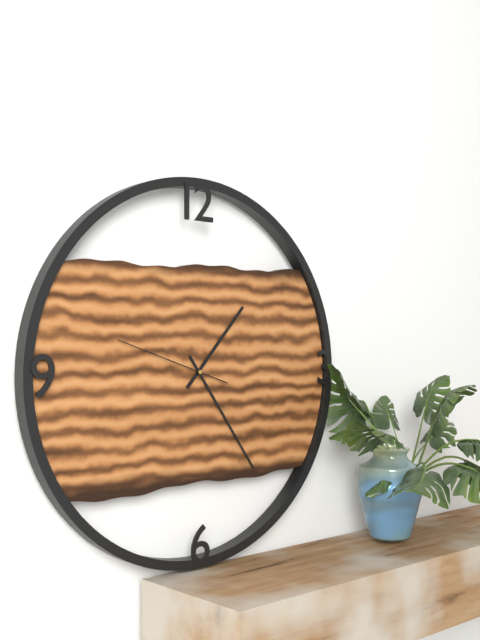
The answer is 1:24:48
